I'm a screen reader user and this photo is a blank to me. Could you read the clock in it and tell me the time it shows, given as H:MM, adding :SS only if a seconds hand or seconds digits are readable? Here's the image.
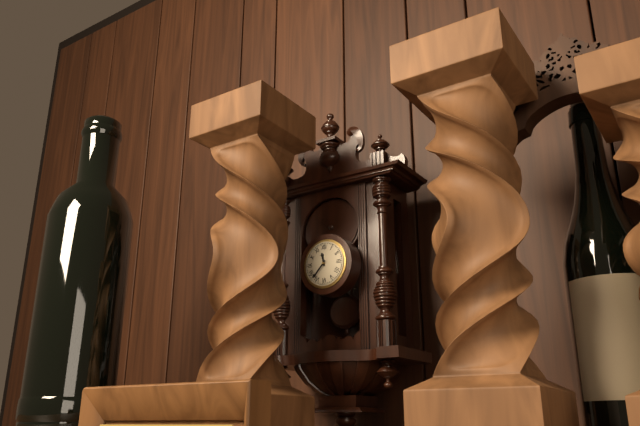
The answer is 11:37
